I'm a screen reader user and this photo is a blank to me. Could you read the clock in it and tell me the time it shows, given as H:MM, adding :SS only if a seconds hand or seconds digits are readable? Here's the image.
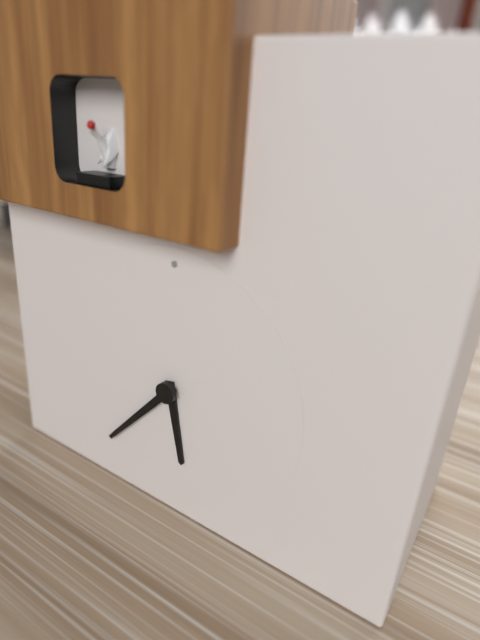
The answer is 5:37
